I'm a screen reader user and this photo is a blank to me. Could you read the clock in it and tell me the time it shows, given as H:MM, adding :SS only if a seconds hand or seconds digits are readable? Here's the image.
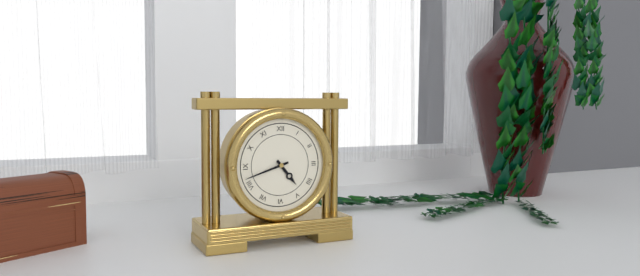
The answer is 4:42
